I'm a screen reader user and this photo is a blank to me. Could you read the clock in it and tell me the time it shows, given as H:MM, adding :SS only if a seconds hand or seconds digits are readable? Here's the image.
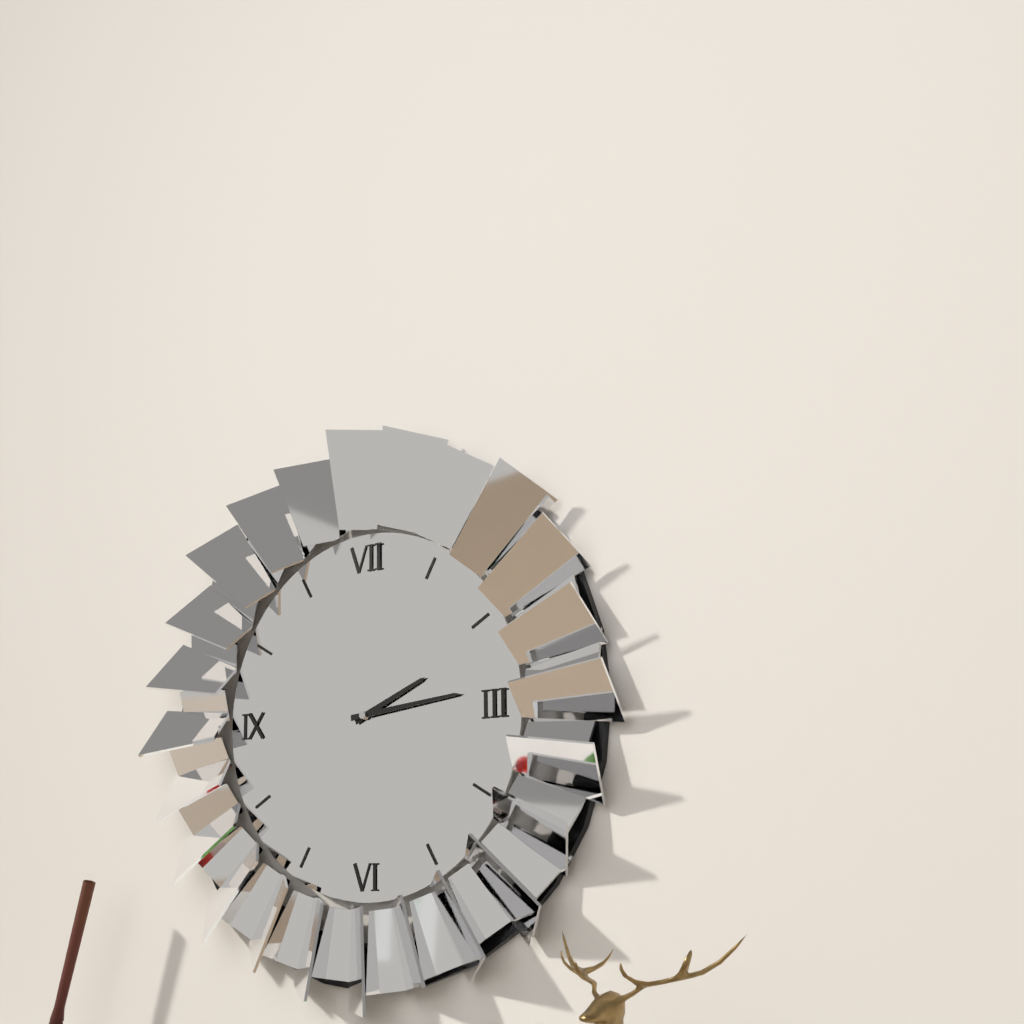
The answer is 2:14
